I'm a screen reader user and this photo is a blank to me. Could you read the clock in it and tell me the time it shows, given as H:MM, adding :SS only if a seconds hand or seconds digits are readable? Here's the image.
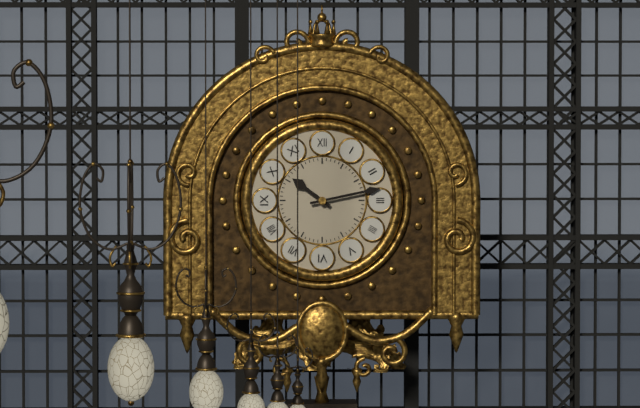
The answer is 10:13
